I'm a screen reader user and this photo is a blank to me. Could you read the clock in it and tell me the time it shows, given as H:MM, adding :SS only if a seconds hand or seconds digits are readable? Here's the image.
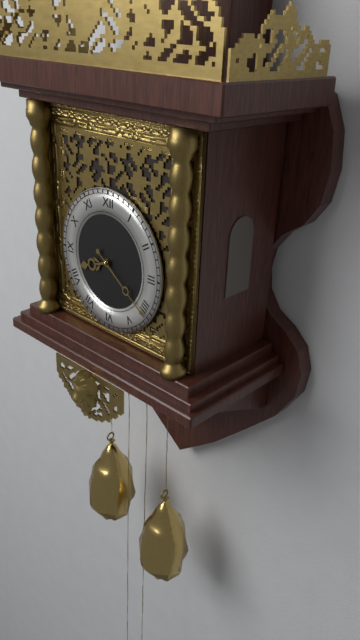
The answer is 8:21
